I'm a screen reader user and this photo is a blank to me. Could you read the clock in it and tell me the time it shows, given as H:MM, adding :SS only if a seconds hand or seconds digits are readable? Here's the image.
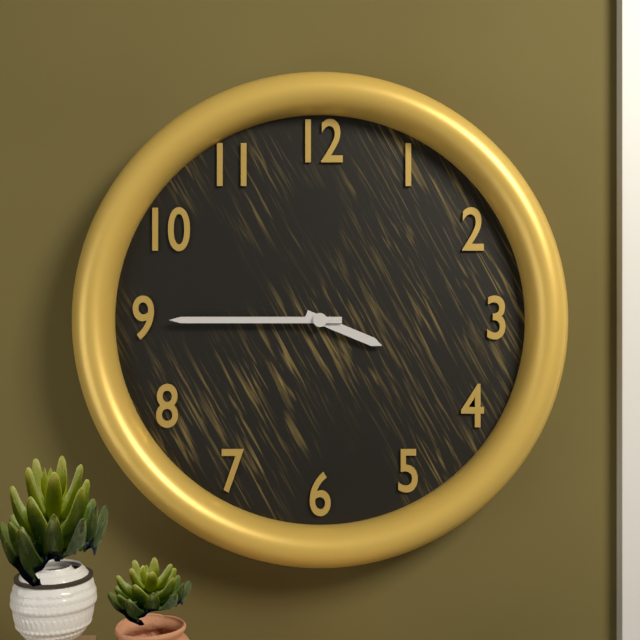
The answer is 3:45
